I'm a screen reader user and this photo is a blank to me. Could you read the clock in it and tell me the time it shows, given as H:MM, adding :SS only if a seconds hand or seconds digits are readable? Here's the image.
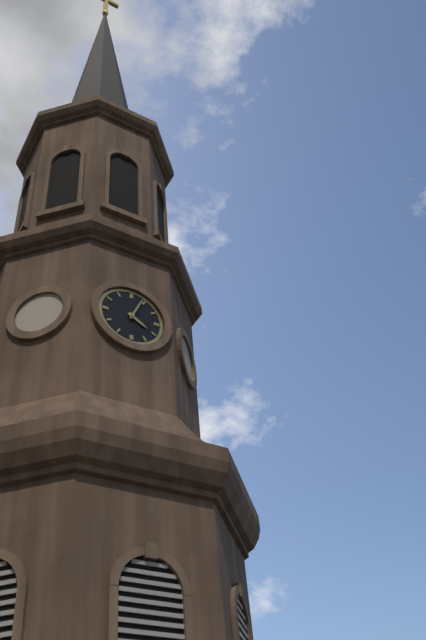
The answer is 4:04
